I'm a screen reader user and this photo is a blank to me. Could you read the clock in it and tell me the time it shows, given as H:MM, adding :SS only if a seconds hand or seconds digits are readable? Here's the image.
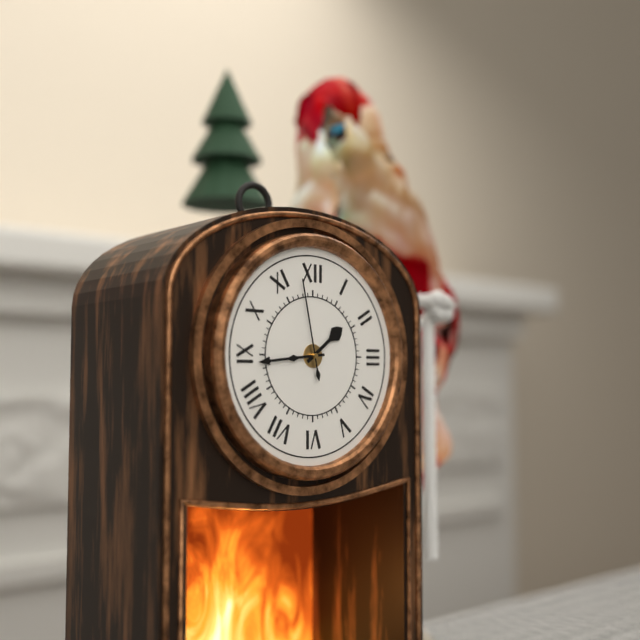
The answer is 1:44:58
